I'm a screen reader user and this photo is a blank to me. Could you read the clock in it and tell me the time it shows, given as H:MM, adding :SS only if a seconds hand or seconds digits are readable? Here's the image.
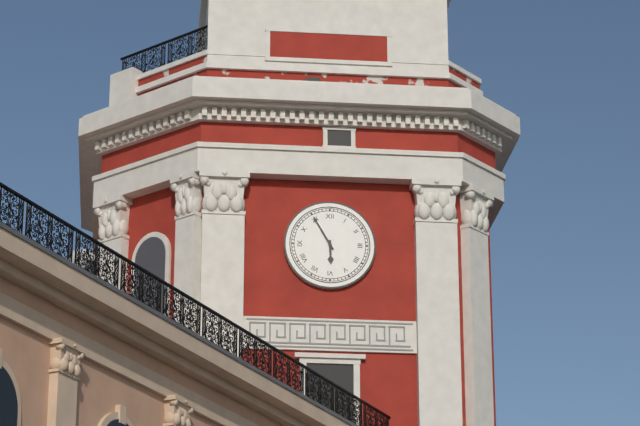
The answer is 5:55
